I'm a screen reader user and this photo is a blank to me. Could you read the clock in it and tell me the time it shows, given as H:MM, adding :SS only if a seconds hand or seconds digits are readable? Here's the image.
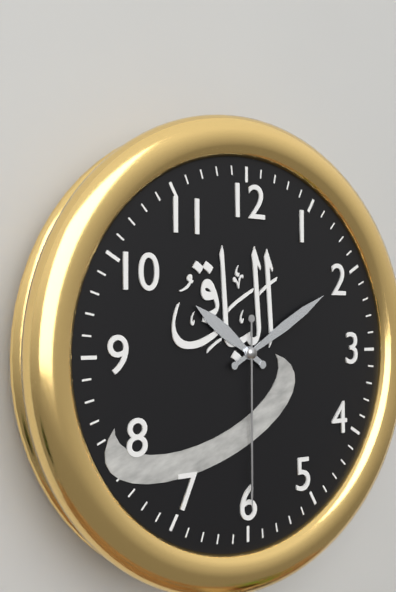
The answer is 10:10:30
